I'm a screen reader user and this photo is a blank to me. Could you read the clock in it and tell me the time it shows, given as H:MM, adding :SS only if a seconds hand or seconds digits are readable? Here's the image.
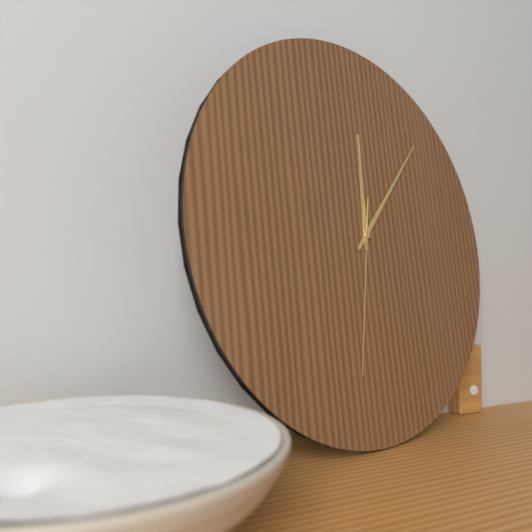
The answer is 12:07:32
